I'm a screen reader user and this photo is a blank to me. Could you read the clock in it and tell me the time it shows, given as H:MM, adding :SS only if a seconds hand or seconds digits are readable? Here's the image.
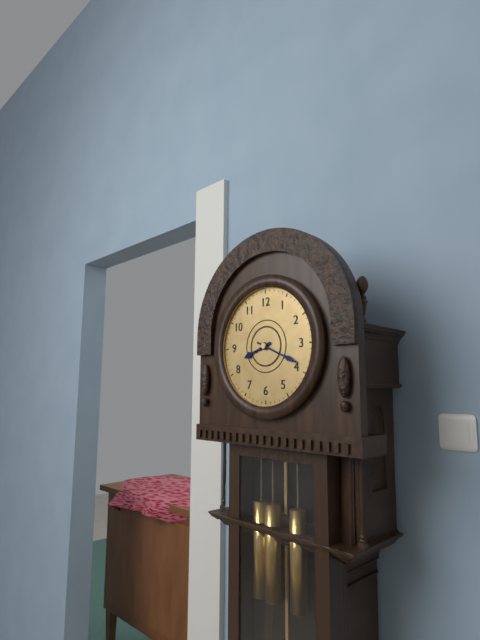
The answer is 8:19
